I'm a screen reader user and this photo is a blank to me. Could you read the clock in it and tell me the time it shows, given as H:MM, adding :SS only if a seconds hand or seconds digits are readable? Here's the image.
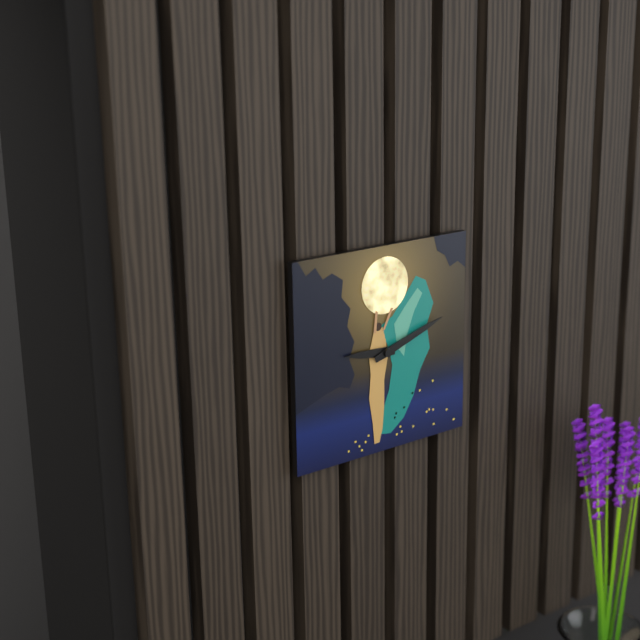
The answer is 9:12
